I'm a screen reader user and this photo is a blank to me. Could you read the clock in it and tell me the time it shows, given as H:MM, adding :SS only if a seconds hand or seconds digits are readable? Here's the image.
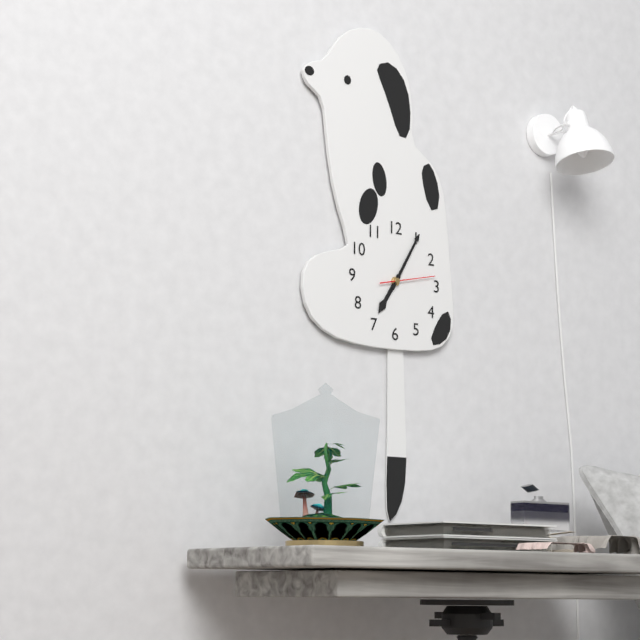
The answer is 7:05
